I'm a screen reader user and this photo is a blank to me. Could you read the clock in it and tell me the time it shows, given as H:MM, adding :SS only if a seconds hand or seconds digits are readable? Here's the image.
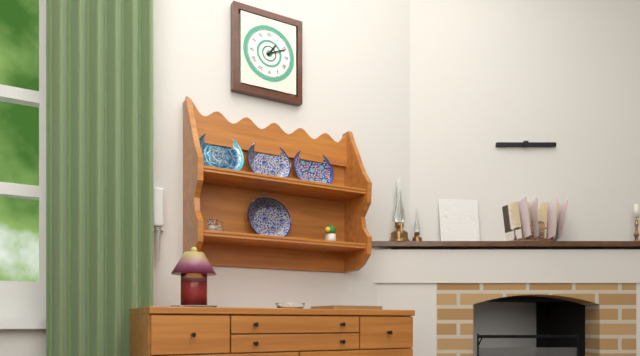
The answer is 1:11
